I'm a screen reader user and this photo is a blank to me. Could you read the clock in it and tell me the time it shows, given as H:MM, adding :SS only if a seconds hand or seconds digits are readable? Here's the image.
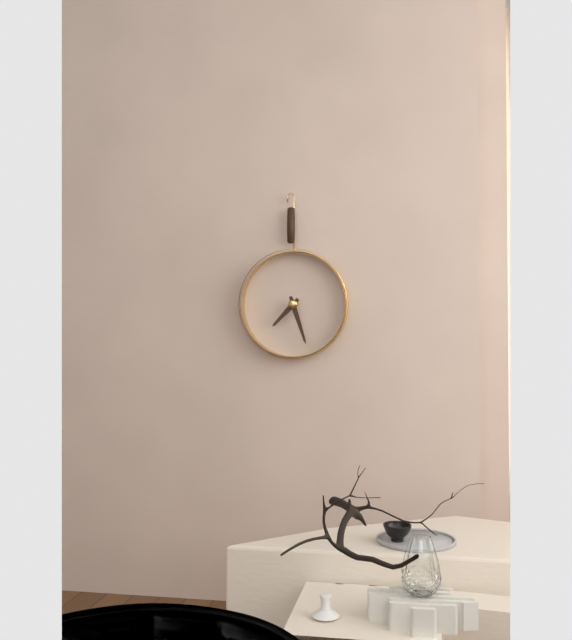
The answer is 7:27
